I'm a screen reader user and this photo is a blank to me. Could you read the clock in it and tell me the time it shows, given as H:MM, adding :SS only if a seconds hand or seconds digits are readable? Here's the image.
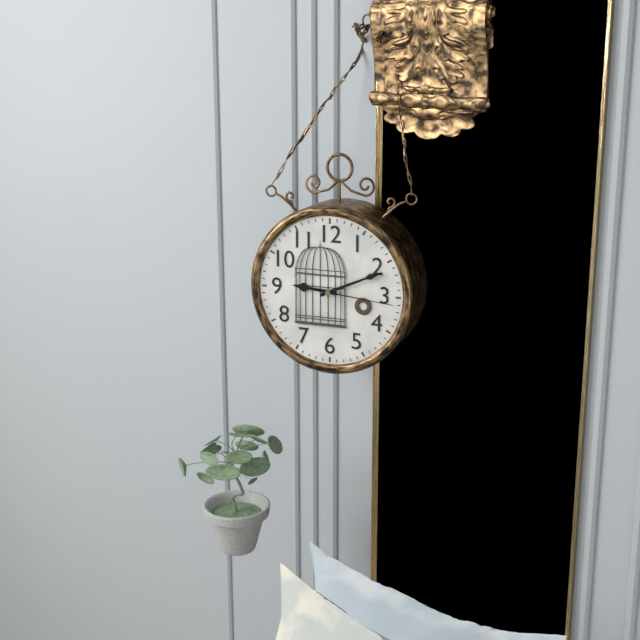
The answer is 9:11:16
